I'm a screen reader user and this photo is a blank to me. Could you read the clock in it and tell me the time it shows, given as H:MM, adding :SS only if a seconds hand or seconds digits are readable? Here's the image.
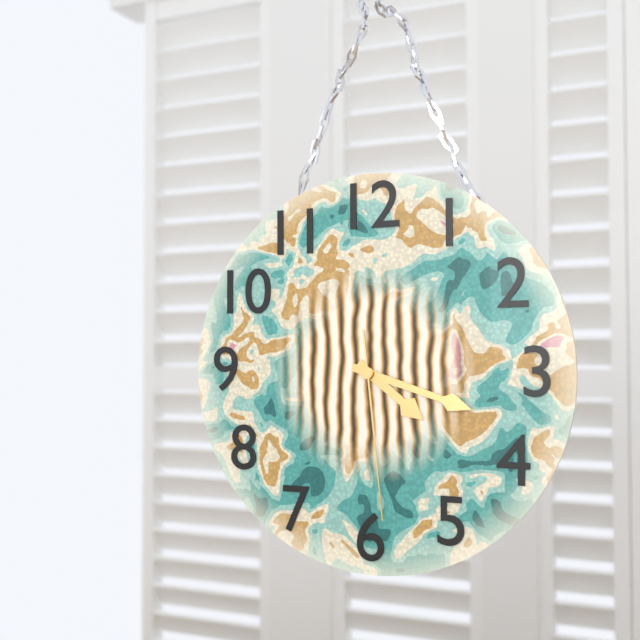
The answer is 4:18:29
